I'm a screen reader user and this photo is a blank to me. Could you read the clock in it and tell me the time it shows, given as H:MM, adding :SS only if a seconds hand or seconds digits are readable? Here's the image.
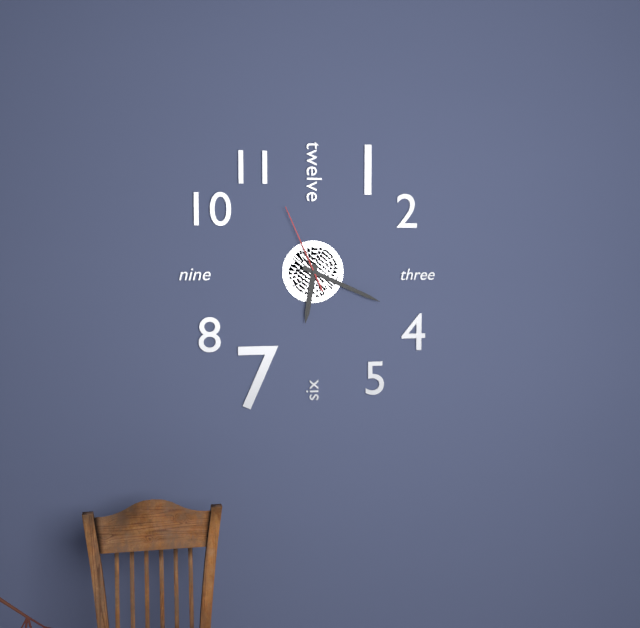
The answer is 6:19:56
